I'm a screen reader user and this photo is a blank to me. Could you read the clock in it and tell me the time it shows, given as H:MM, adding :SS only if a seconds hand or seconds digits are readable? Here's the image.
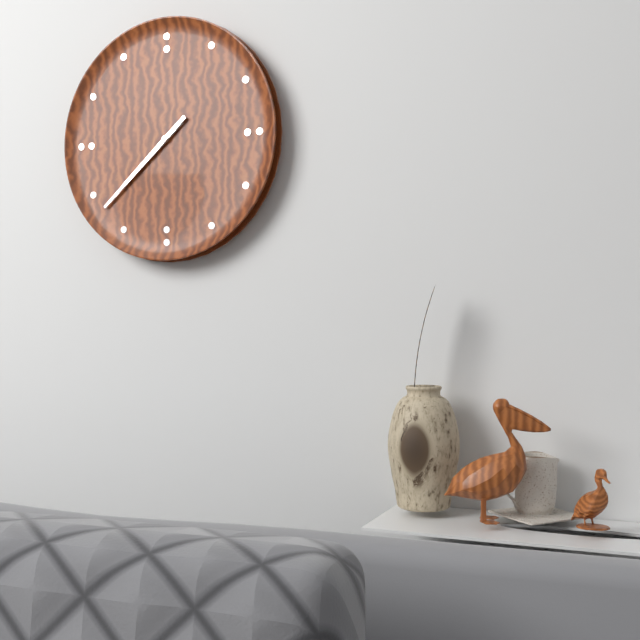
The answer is 7:38
